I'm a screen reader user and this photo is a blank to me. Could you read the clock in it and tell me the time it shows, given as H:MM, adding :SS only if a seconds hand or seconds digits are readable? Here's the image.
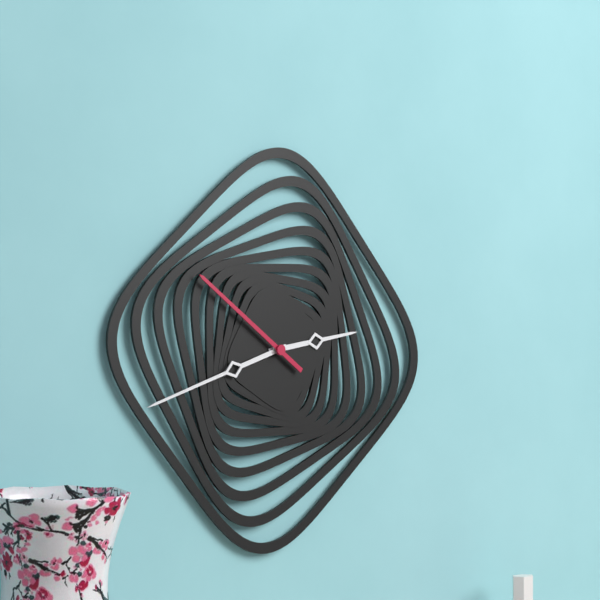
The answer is 2:42:51
